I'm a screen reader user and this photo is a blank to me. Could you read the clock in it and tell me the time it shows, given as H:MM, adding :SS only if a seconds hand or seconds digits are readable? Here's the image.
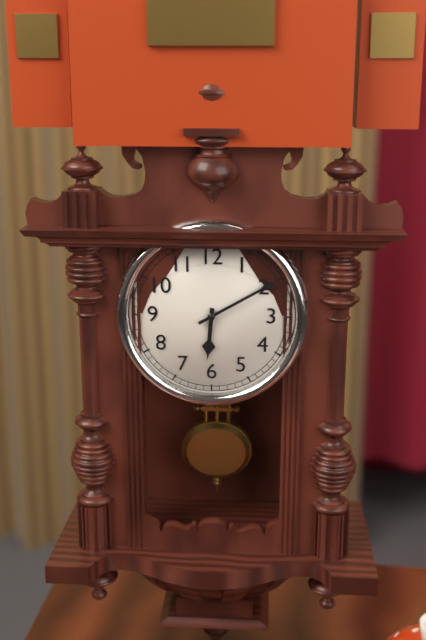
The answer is 6:10
